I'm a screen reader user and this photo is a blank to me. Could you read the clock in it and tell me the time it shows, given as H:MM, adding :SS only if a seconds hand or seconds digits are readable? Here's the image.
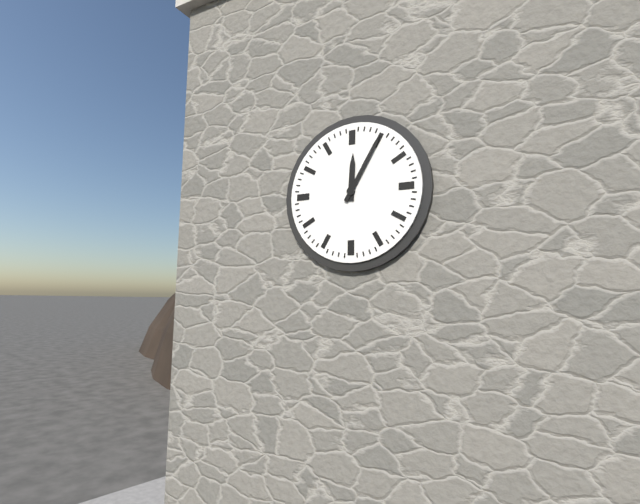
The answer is 12:05
